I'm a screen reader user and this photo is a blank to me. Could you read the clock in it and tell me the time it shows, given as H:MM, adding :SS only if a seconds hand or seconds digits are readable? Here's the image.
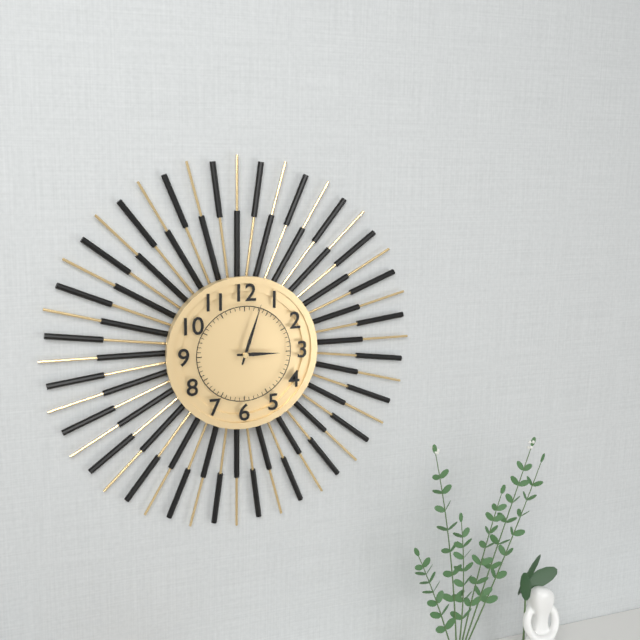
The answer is 3:03
